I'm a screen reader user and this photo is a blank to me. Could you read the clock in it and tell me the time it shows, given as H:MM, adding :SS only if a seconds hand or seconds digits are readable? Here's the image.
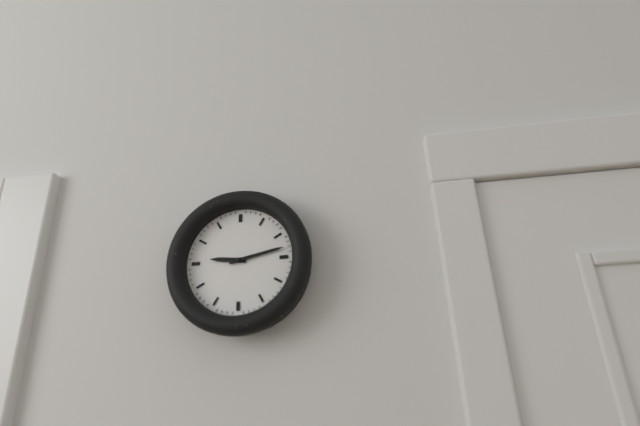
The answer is 9:13
